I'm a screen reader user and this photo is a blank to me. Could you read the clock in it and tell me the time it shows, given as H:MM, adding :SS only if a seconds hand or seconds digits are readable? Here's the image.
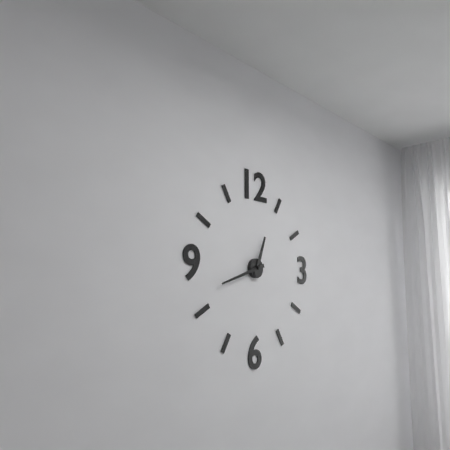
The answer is 12:42
